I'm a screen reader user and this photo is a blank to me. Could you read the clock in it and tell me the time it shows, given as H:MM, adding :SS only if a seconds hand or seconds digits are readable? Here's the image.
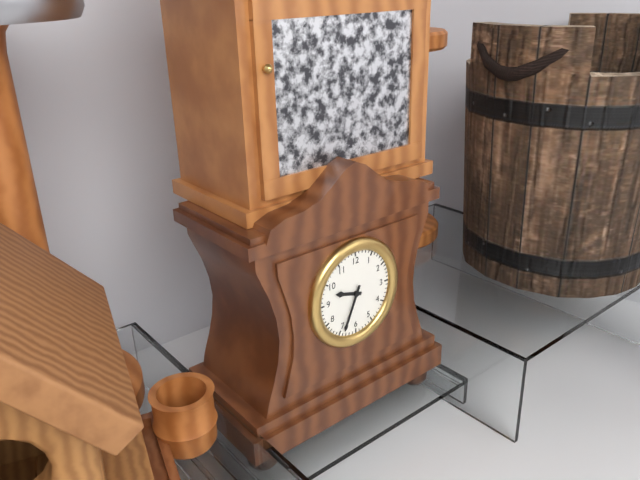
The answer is 9:34
